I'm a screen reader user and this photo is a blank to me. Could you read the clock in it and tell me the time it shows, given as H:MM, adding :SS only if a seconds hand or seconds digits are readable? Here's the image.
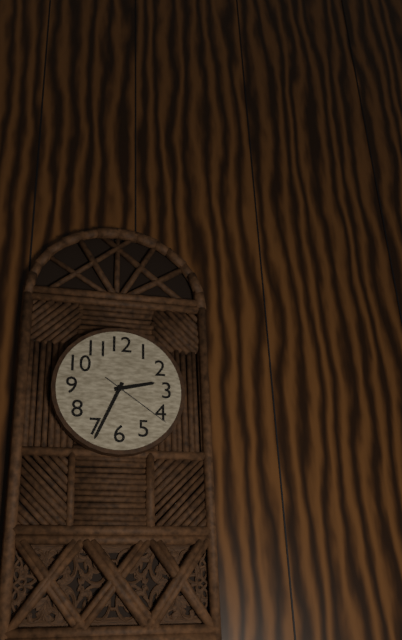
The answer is 2:34:21
